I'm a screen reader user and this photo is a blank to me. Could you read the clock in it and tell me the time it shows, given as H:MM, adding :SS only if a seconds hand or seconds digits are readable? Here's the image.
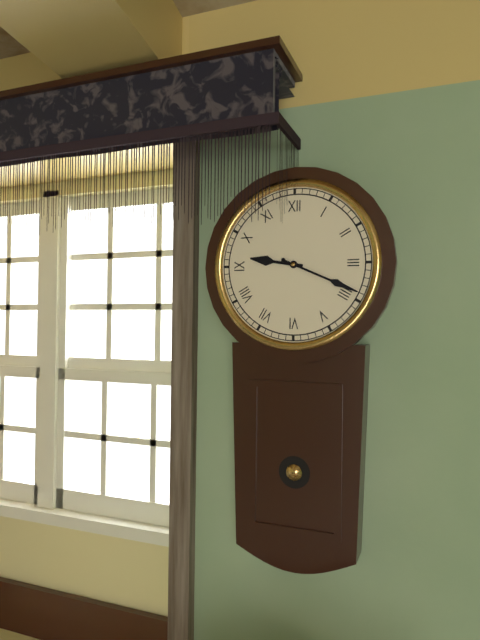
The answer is 9:19
